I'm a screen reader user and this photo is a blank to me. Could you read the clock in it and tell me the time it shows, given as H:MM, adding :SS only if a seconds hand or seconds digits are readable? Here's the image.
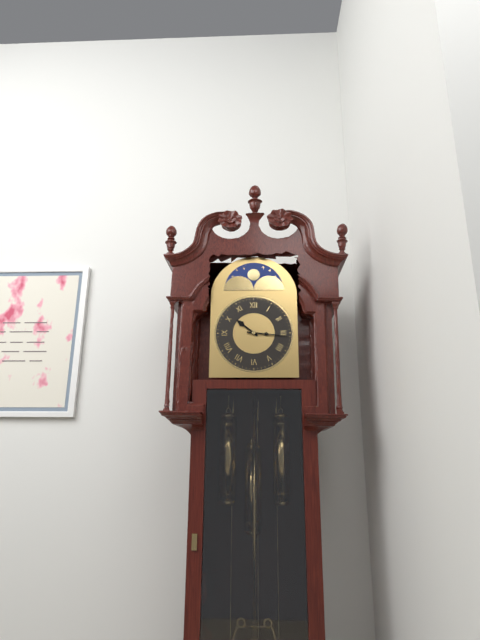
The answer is 10:16
